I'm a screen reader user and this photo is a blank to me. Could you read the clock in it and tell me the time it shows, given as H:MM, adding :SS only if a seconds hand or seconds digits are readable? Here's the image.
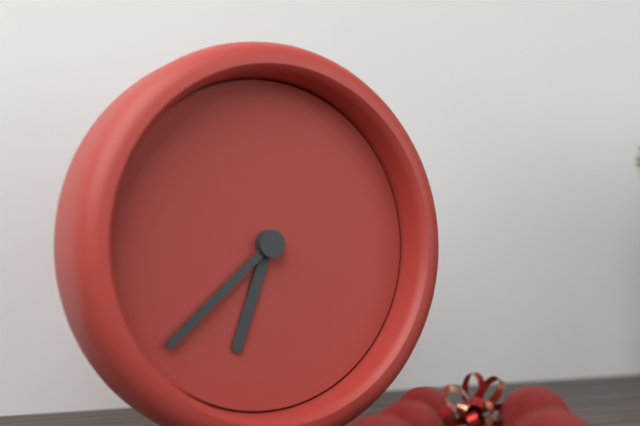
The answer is 6:38
